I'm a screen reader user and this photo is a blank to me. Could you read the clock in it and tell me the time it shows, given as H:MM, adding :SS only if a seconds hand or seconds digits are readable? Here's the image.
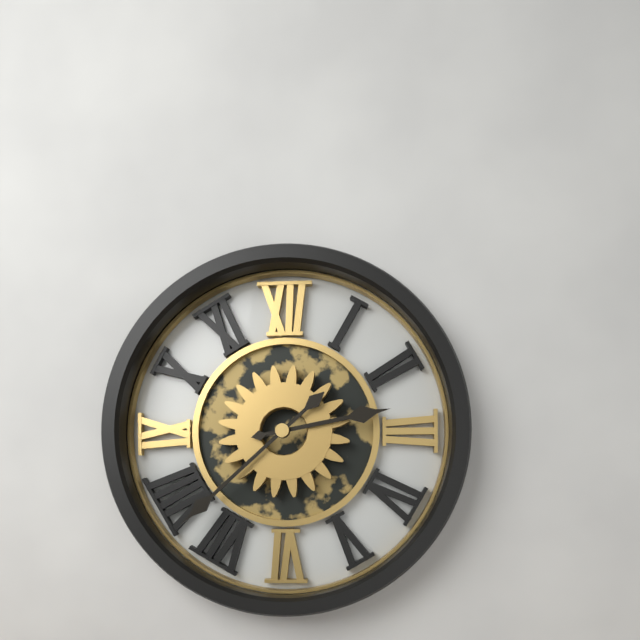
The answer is 2:38
